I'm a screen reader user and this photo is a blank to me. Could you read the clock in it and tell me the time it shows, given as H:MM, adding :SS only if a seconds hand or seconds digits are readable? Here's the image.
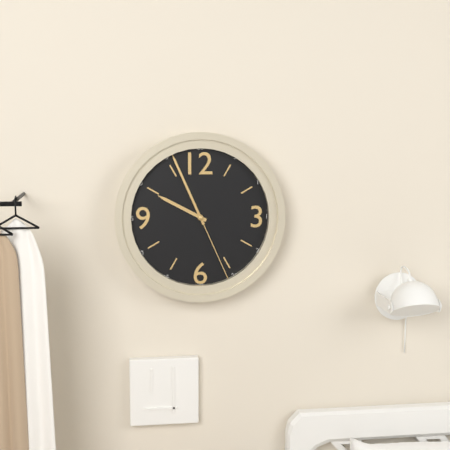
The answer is 9:56:26
